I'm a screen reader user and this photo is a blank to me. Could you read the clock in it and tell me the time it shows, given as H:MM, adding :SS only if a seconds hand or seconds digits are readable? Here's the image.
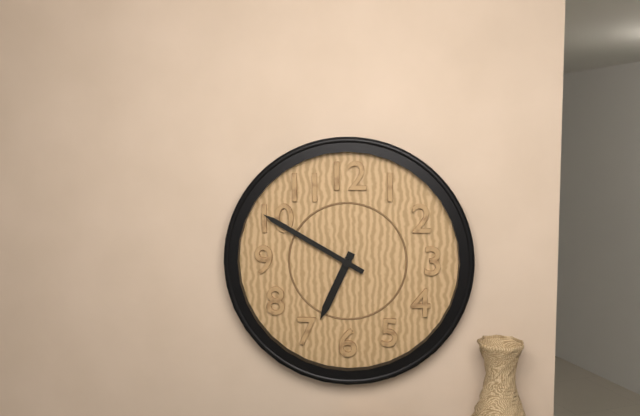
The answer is 6:50
